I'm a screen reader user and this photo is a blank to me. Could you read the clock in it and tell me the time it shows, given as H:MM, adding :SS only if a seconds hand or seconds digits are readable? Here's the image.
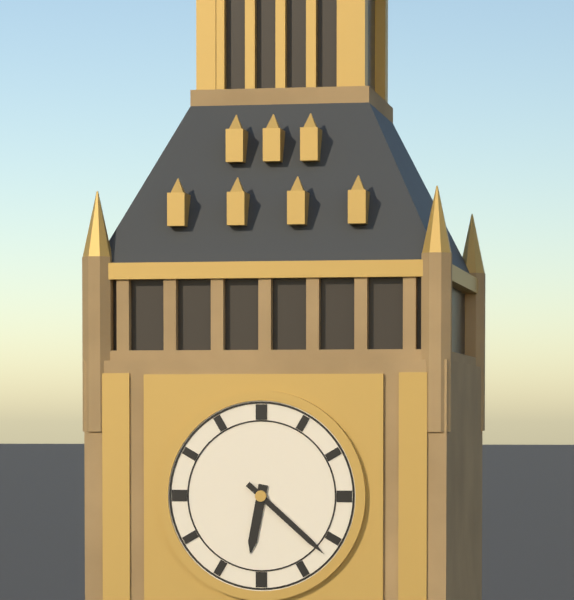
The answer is 6:22
